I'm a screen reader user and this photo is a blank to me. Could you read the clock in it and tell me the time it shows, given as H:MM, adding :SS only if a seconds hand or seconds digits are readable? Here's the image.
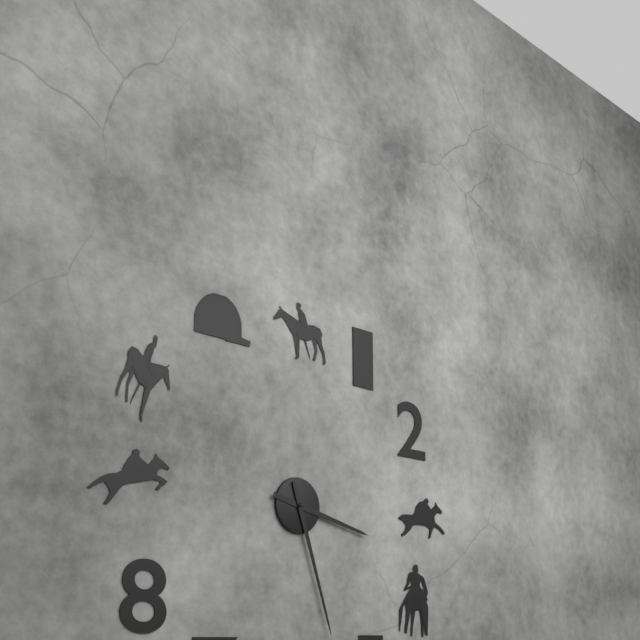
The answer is 3:27
